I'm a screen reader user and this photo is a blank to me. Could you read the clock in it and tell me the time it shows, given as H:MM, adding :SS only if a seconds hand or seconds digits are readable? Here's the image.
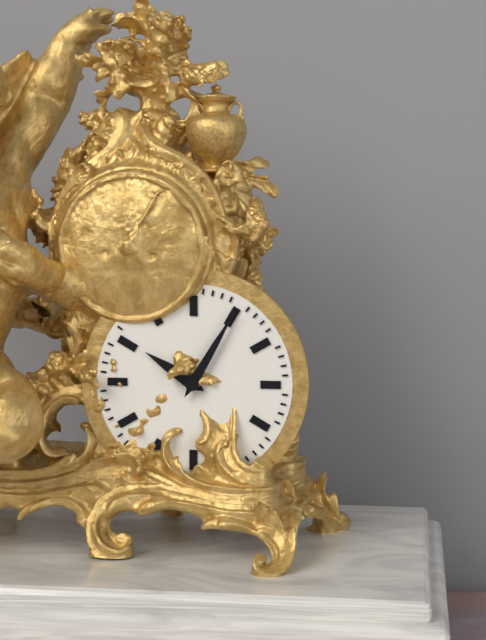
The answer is 10:05
